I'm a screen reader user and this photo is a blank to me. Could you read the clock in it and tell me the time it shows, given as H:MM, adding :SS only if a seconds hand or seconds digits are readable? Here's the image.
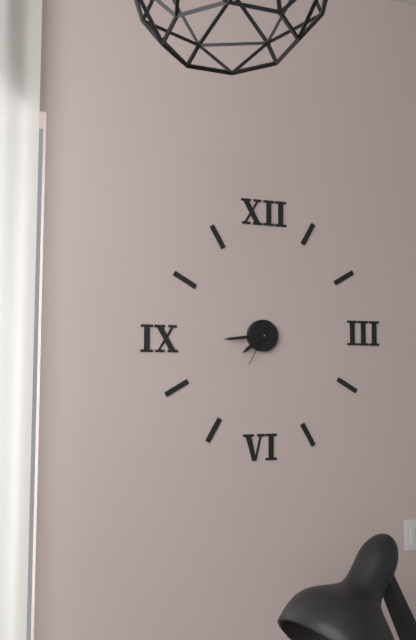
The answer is 7:44
